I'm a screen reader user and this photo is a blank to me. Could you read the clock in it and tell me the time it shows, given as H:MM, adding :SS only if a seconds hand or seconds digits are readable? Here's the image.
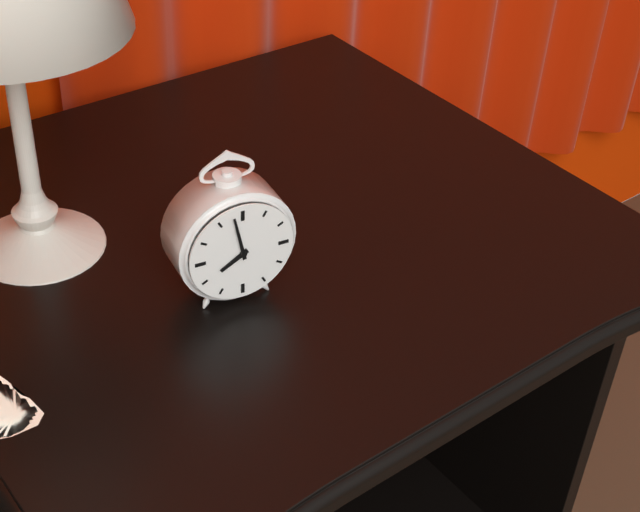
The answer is 7:58
